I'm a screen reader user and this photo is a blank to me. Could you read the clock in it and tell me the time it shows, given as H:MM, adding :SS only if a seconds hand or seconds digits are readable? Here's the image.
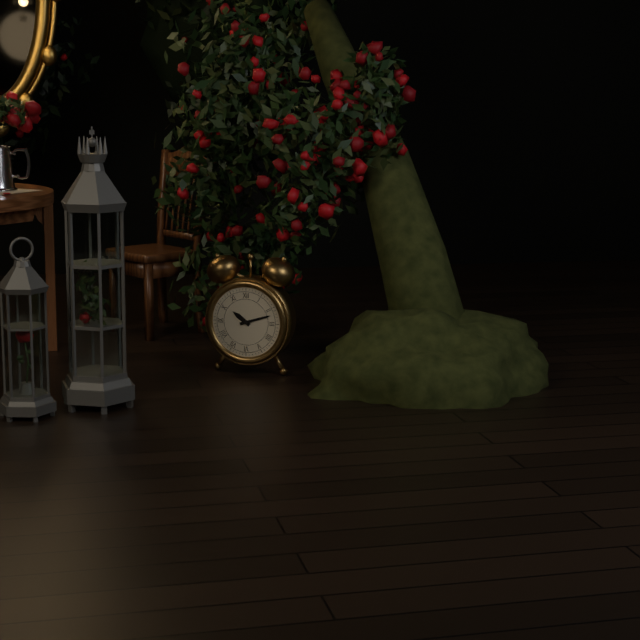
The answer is 10:12
